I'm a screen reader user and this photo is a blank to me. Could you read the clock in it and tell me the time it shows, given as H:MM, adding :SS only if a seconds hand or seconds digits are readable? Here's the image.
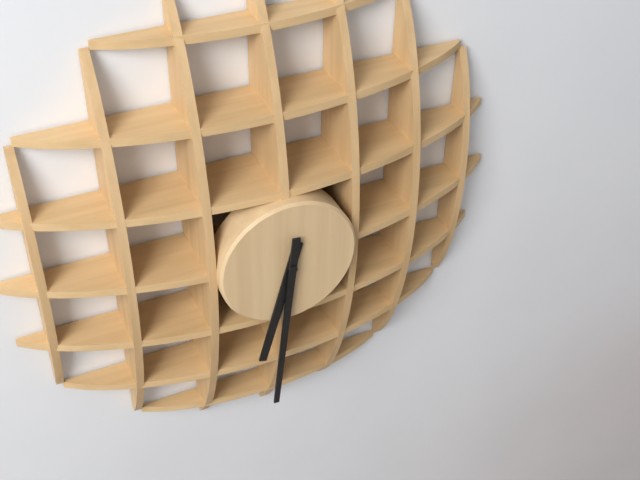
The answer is 6:31
